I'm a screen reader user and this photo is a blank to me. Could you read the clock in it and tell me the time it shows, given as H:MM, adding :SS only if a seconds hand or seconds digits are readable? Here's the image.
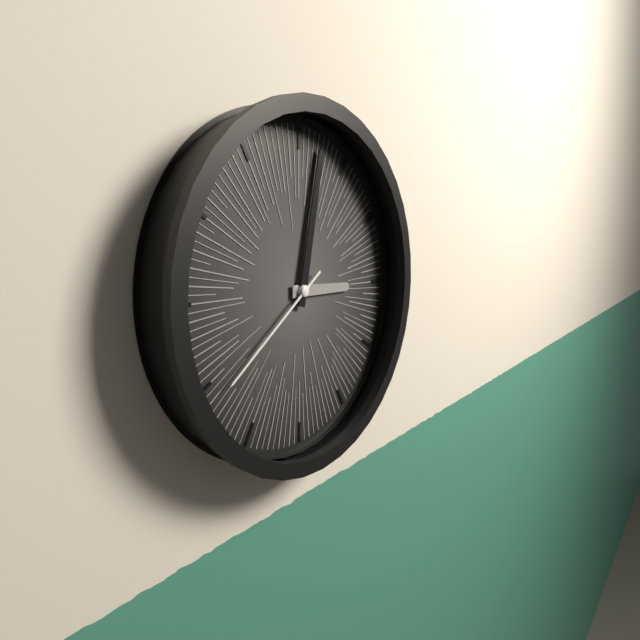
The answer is 3:02:39
